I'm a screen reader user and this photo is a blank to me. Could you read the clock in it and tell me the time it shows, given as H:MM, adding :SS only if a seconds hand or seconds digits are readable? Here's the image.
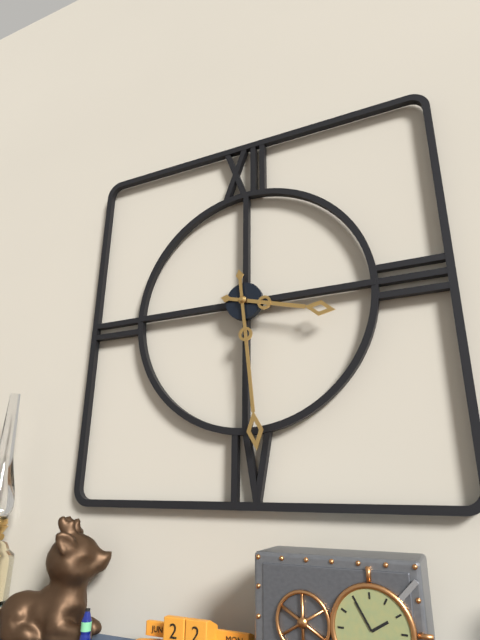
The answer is 3:29
